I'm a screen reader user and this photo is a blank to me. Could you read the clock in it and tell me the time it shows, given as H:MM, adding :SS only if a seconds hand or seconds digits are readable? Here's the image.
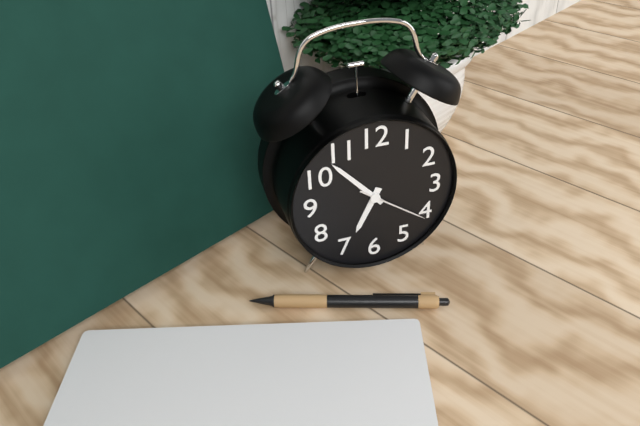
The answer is 6:53:21
